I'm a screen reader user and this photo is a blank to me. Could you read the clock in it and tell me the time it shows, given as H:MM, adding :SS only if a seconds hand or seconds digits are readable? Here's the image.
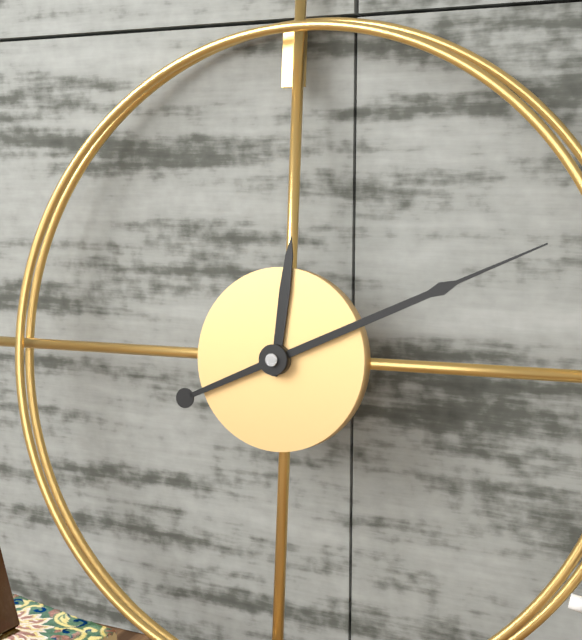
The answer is 12:11
